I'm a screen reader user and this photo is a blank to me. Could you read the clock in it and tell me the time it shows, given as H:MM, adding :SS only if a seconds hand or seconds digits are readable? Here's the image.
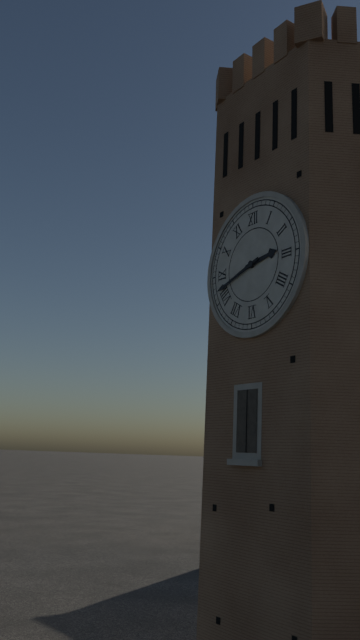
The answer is 2:42
